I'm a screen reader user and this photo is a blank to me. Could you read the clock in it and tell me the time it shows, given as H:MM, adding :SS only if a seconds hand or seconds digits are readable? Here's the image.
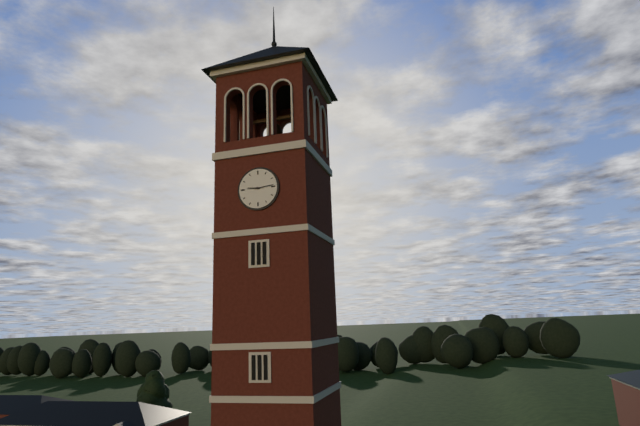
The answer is 9:14
